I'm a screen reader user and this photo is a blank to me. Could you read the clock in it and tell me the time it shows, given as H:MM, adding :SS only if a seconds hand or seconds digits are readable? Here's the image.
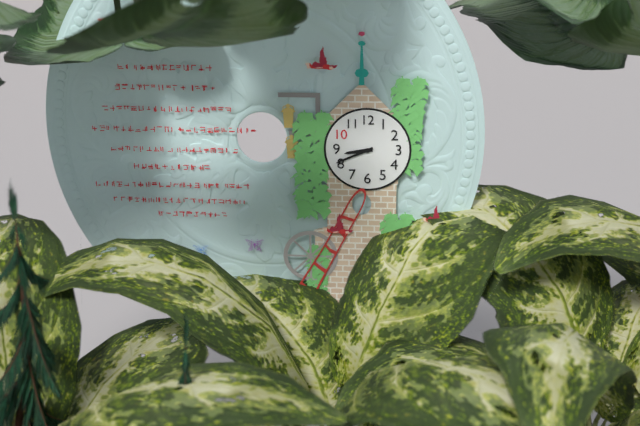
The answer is 8:41
